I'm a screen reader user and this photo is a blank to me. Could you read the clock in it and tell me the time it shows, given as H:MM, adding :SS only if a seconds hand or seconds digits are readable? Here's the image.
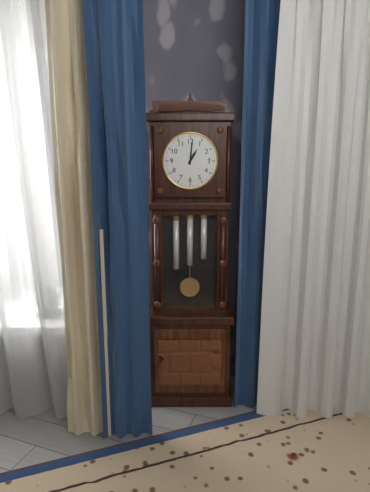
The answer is 1:01
